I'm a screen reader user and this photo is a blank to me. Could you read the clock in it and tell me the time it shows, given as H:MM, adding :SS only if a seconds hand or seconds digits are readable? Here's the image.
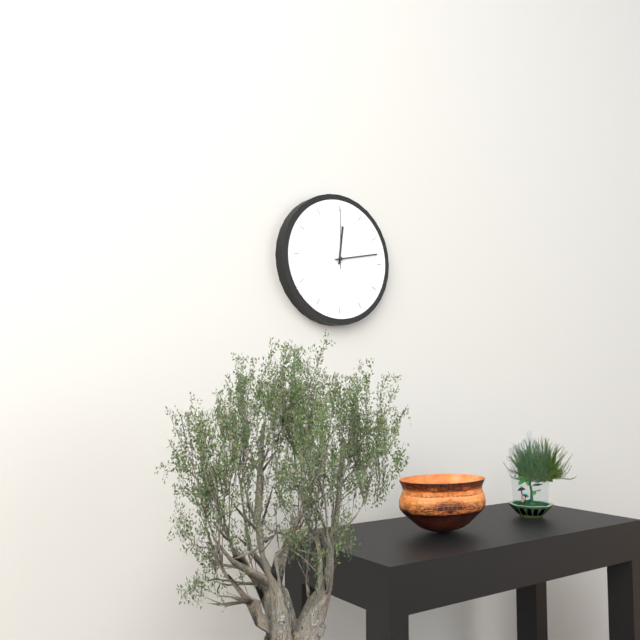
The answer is 12:13:00
